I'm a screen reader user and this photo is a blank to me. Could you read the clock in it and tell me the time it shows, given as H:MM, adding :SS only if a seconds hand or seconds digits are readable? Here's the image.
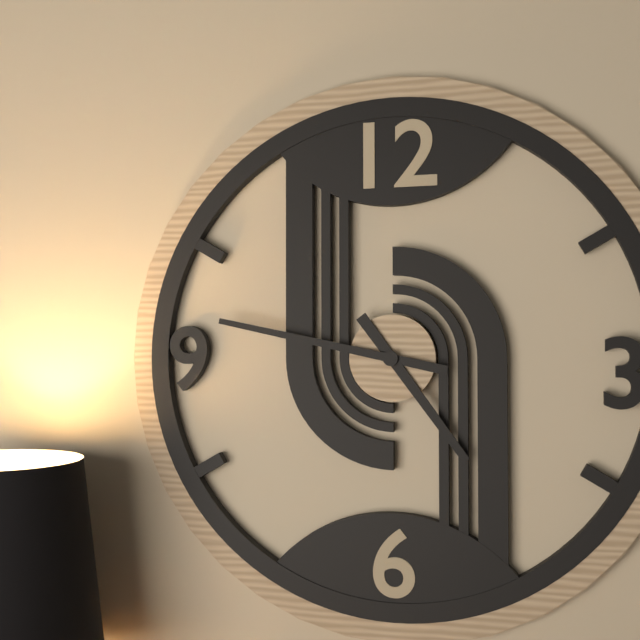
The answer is 4:47
